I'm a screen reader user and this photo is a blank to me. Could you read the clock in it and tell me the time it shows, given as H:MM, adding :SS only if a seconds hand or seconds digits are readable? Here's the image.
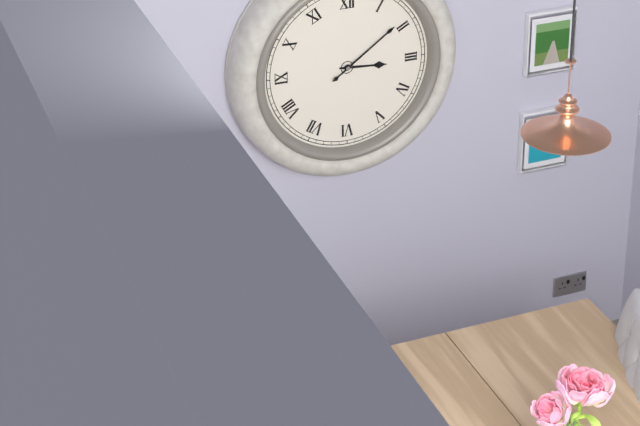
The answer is 3:09
